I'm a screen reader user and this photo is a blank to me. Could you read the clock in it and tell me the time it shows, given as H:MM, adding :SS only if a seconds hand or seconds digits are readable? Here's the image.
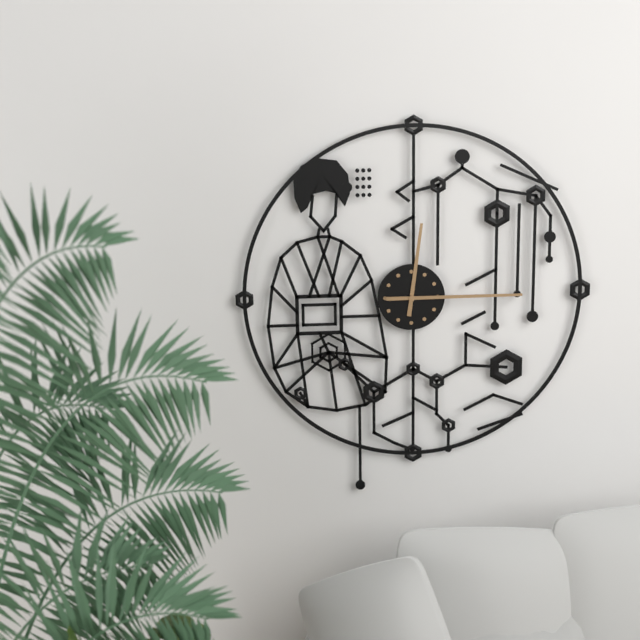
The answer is 12:15
